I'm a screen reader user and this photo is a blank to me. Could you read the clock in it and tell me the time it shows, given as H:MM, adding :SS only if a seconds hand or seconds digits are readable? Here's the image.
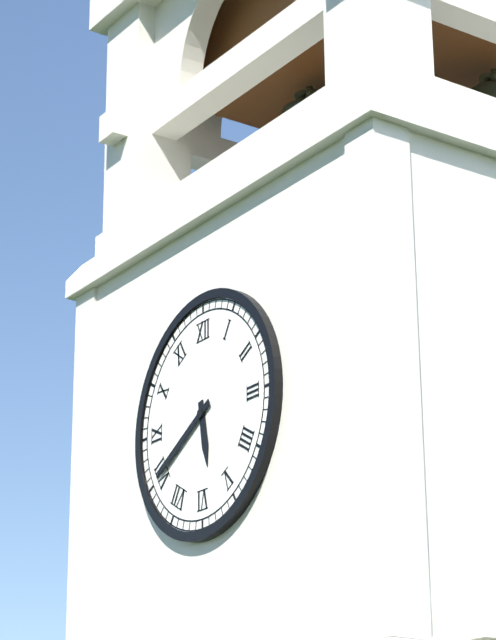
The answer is 5:40
